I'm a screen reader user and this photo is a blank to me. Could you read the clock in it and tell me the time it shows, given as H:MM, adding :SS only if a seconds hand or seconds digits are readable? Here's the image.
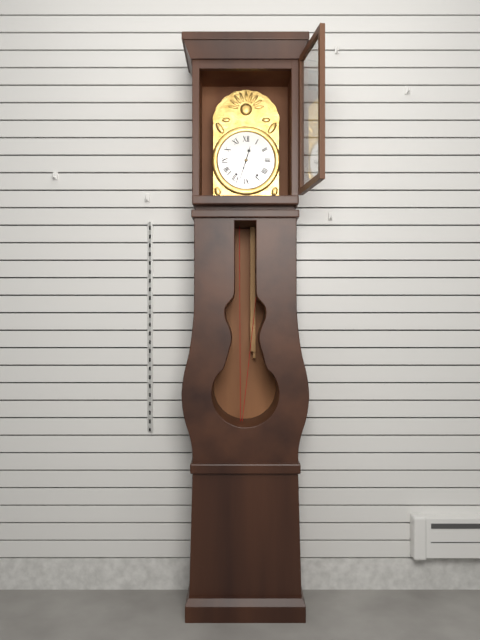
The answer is 12:33
